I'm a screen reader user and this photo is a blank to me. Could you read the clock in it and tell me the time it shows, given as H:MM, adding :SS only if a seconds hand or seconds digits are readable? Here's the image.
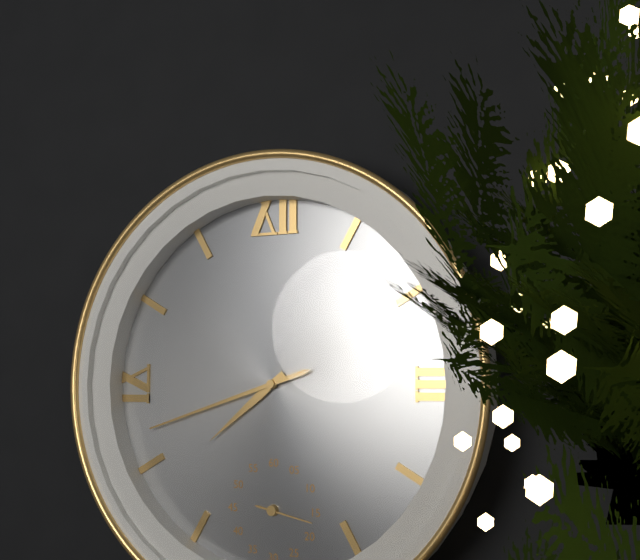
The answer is 7:42
